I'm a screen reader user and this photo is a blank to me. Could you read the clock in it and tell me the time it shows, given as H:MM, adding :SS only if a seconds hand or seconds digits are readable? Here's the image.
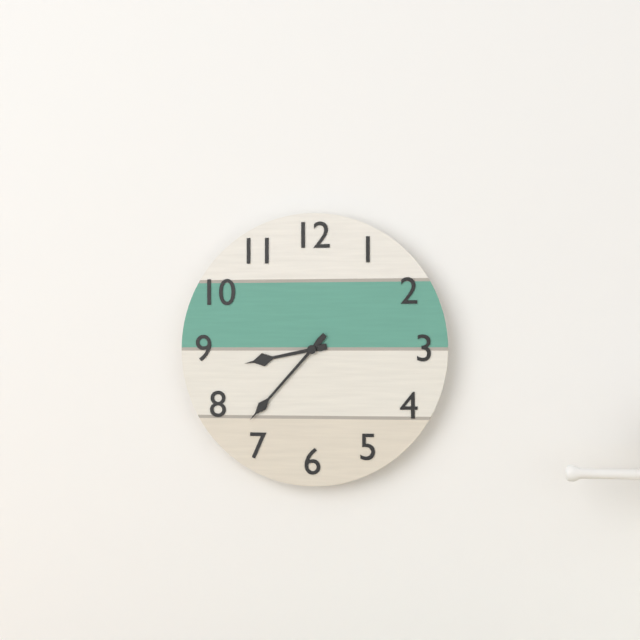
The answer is 8:37
